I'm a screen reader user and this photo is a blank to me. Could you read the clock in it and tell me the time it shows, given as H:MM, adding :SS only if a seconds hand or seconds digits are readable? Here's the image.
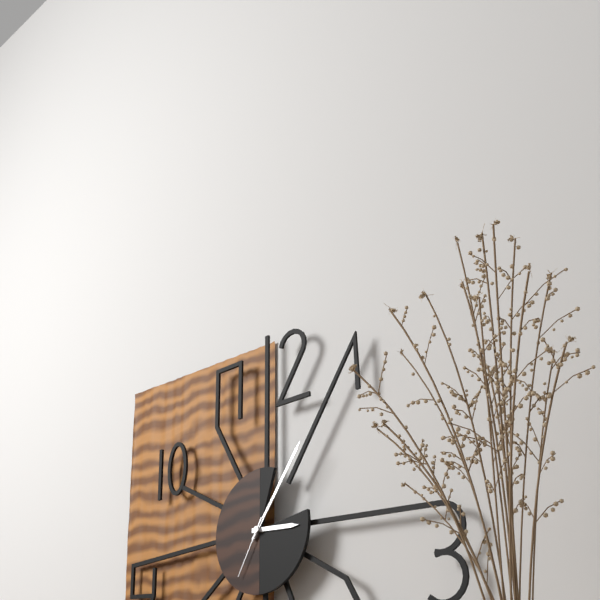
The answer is 3:06:35
